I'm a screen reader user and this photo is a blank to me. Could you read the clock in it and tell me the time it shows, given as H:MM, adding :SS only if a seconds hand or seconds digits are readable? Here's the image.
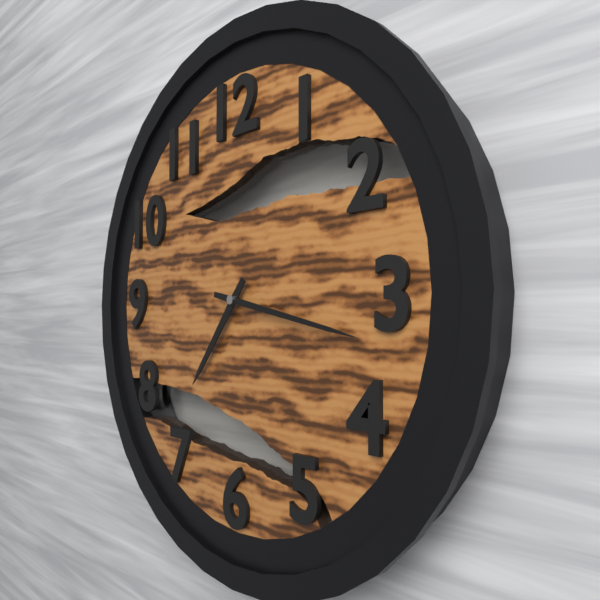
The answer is 7:17
